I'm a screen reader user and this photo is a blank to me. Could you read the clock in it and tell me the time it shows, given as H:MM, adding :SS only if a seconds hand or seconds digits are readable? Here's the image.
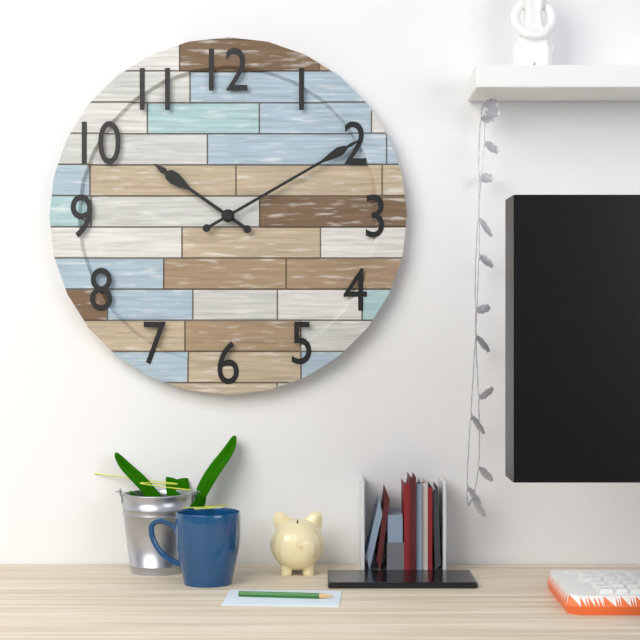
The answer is 10:10
